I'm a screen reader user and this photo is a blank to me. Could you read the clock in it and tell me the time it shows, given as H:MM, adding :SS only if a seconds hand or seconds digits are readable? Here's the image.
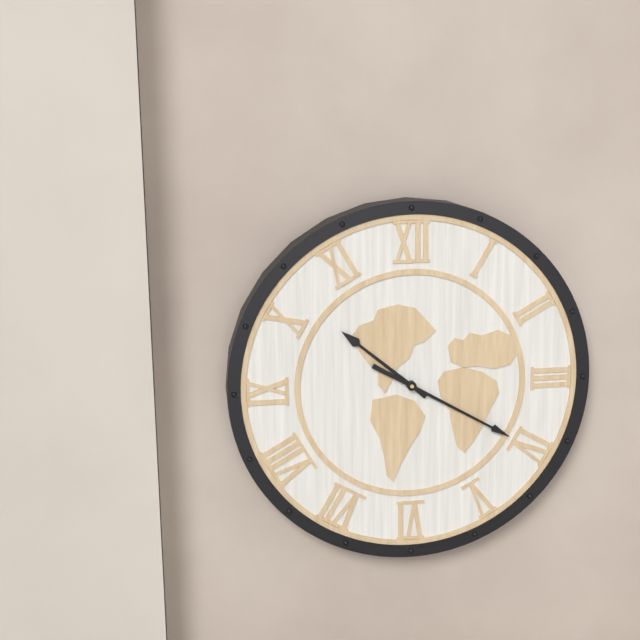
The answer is 10:20
